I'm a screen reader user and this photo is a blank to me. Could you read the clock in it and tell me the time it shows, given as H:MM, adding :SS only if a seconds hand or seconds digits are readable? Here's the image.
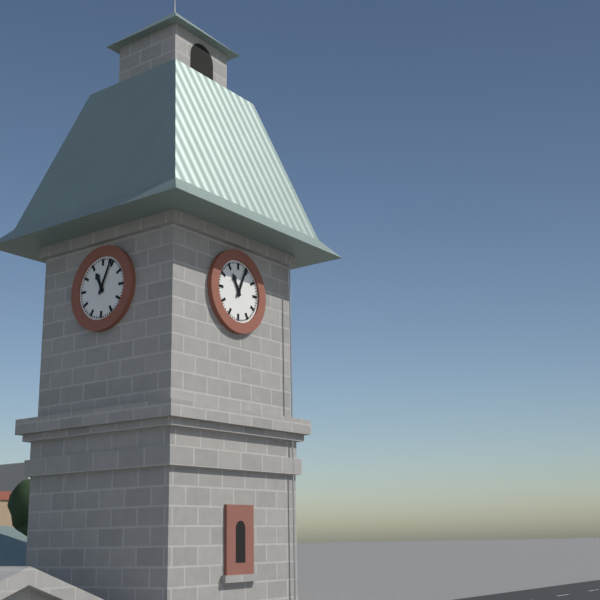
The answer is 11:04
